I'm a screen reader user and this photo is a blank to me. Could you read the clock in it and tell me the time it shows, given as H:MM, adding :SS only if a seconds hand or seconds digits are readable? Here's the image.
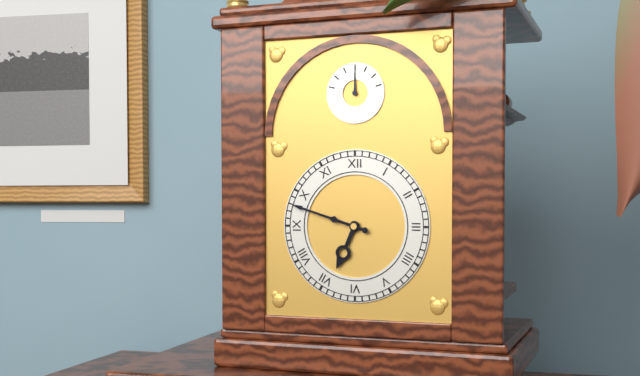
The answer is 6:48
